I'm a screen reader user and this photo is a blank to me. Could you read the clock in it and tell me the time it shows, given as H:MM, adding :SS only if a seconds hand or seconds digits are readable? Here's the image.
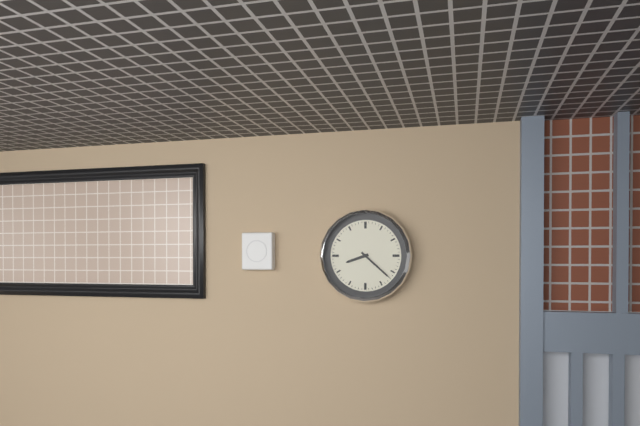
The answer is 8:22
